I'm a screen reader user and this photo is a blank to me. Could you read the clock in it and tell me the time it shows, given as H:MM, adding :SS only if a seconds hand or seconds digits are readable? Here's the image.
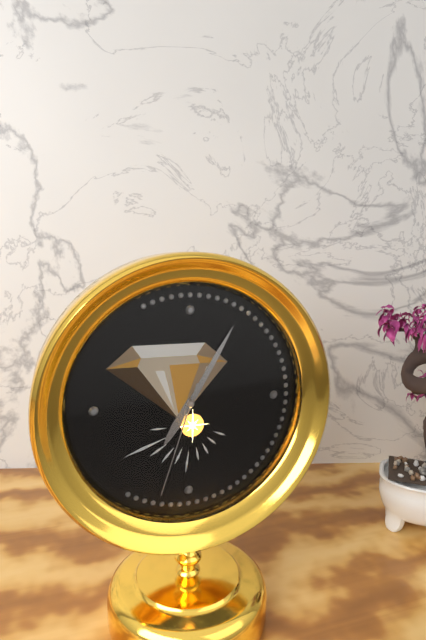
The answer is 7:05:33
